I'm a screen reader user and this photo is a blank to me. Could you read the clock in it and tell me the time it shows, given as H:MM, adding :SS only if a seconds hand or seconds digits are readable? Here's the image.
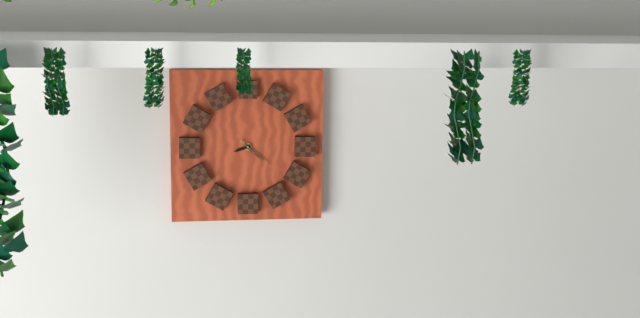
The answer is 8:22
